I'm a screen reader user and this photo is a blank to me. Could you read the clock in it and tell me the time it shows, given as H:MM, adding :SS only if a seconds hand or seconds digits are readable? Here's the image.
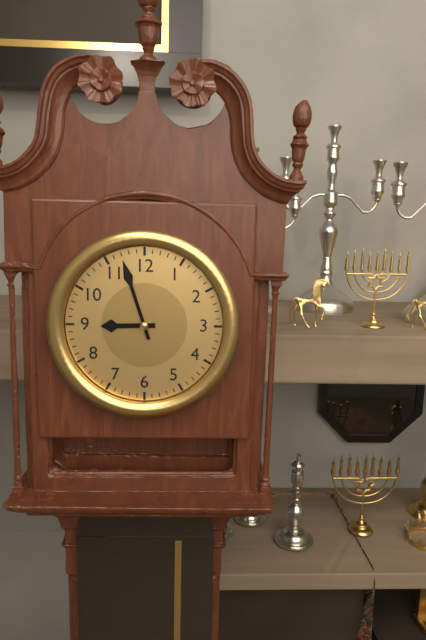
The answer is 8:57
